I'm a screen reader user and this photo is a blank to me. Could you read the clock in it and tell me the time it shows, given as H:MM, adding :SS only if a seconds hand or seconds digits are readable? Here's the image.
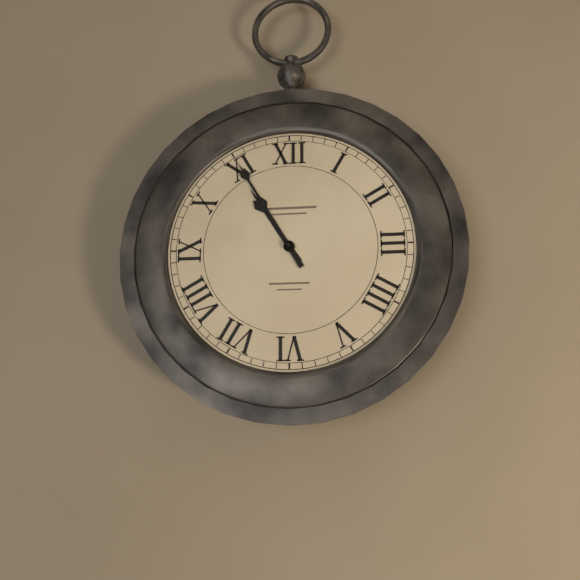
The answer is 10:55
